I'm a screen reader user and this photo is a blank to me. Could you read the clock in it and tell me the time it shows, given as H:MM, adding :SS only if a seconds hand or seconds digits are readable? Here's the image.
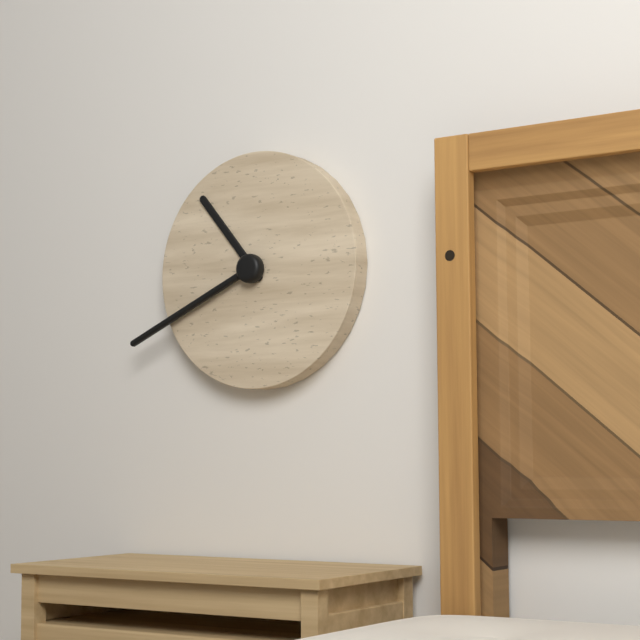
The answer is 10:41
